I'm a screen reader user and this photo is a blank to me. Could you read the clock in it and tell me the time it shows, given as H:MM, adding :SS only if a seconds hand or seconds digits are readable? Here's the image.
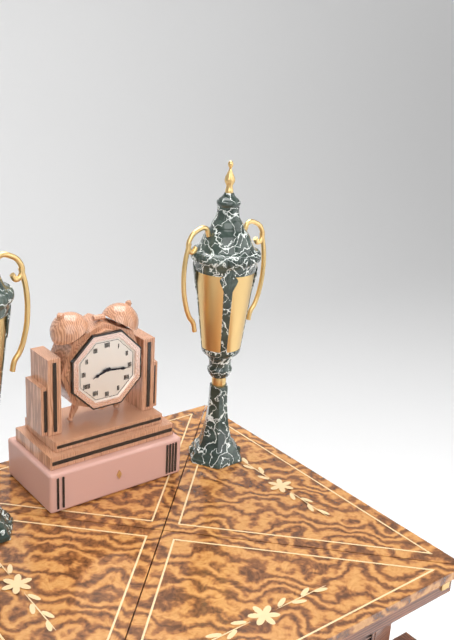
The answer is 8:16
